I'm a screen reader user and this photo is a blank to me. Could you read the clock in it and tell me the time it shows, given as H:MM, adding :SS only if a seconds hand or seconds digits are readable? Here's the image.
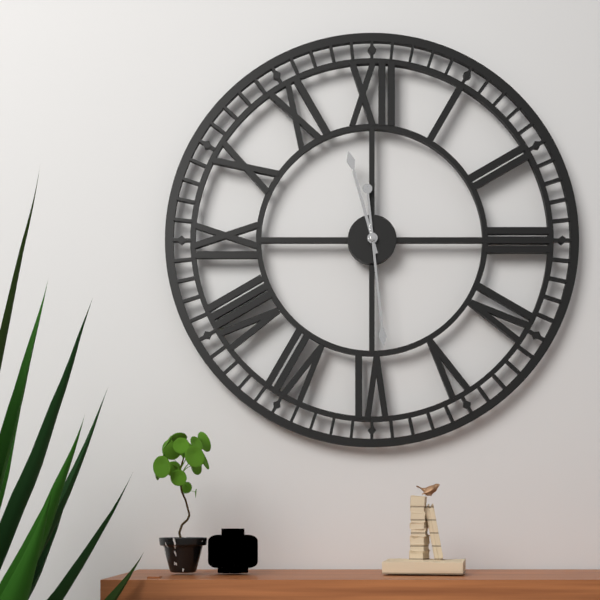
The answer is 11:29
